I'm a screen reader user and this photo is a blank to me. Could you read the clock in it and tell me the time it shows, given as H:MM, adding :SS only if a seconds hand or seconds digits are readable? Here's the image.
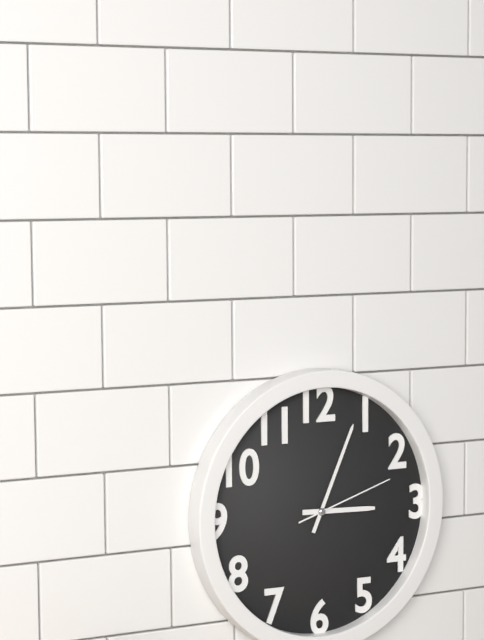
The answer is 3:04:12
